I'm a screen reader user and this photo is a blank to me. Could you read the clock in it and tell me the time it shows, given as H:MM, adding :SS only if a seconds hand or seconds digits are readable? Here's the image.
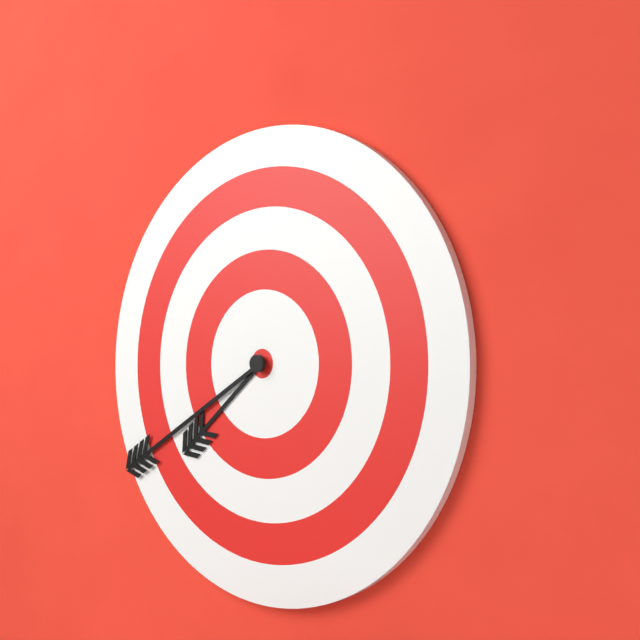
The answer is 7:40
